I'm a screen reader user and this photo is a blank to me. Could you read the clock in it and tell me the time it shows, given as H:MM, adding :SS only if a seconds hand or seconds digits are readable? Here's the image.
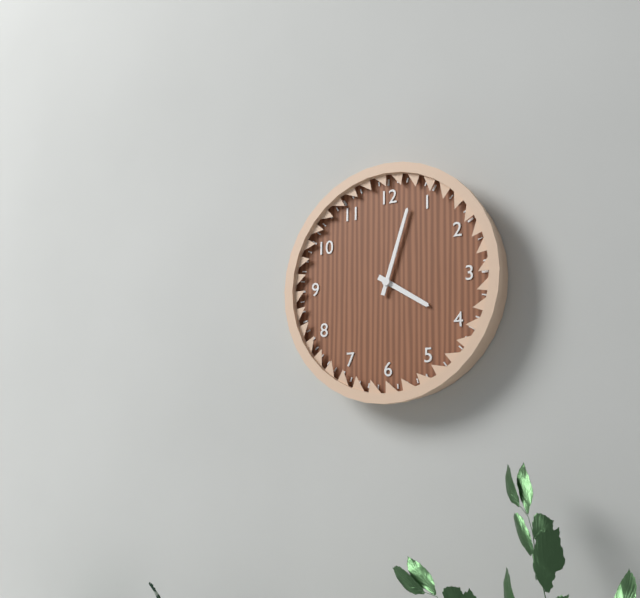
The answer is 4:03
